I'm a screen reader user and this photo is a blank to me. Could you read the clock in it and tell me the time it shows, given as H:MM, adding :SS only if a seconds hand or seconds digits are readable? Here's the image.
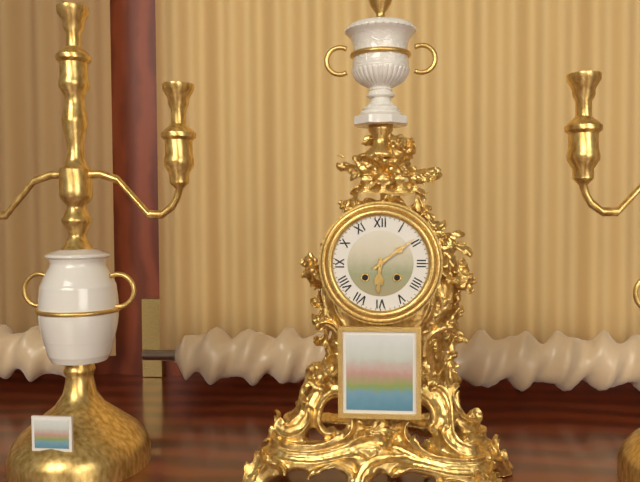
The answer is 6:09
